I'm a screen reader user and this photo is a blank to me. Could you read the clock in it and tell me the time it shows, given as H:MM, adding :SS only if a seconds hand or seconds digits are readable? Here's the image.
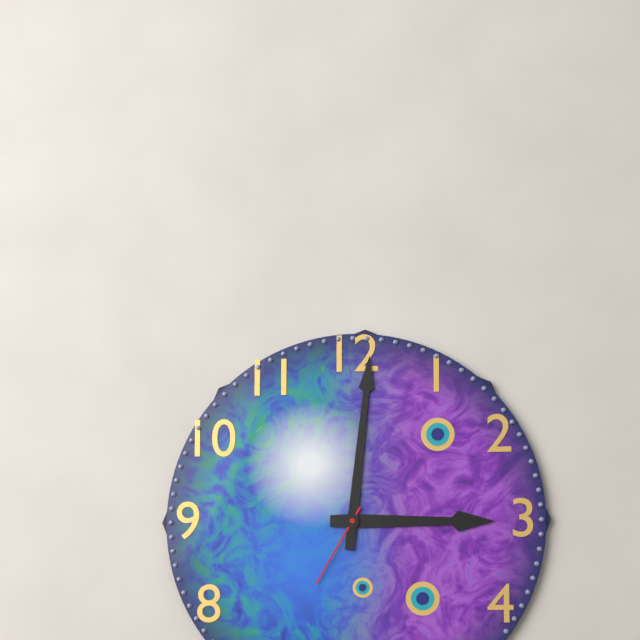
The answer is 3:01:35
